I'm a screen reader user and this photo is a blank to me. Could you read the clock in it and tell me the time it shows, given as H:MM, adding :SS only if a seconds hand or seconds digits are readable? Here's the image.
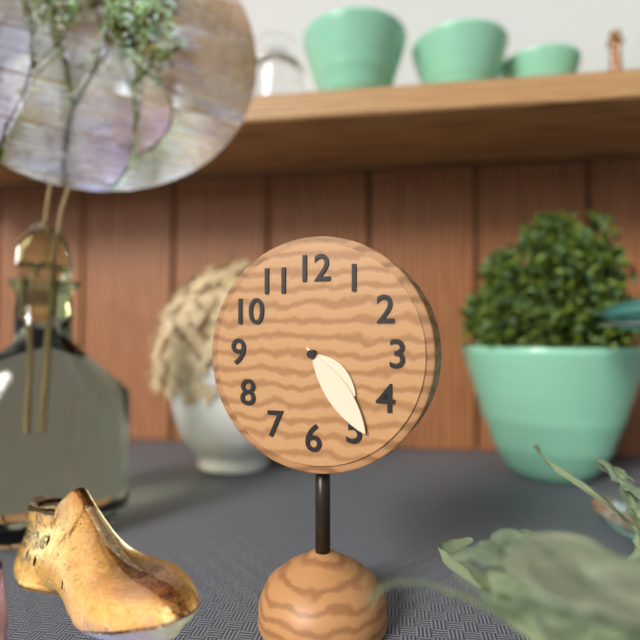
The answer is 4:24
